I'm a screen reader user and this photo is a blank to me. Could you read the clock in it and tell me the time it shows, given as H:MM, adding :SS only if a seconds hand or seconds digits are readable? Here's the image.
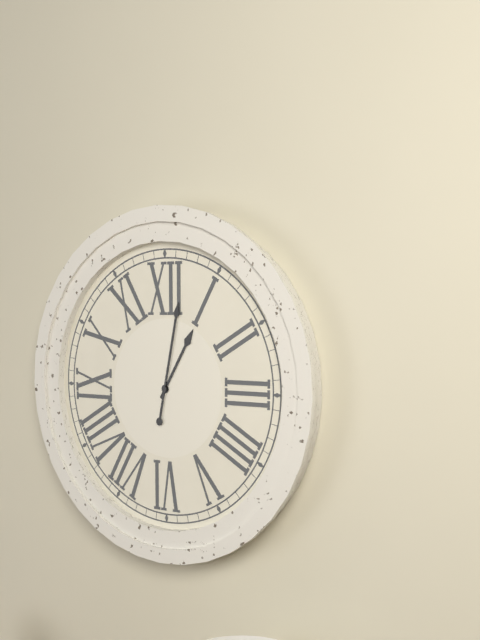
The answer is 1:02
